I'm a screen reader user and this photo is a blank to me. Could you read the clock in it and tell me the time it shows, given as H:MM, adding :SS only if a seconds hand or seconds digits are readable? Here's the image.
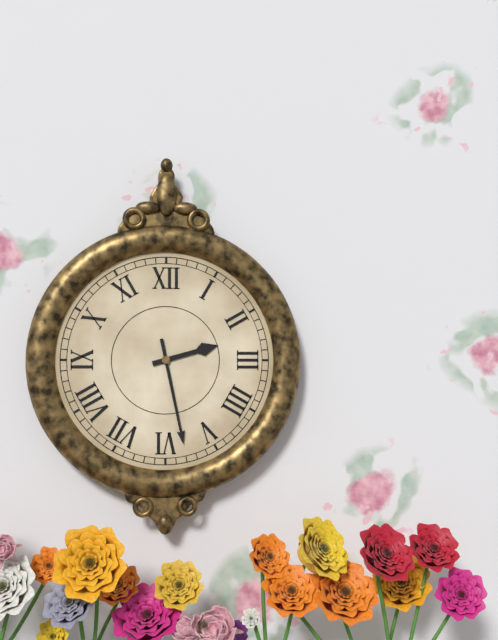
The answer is 2:28
